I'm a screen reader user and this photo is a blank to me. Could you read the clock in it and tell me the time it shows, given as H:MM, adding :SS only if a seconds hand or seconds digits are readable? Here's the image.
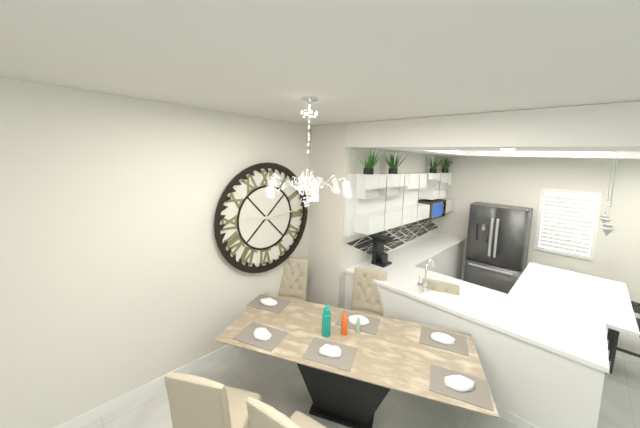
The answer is 9:14
